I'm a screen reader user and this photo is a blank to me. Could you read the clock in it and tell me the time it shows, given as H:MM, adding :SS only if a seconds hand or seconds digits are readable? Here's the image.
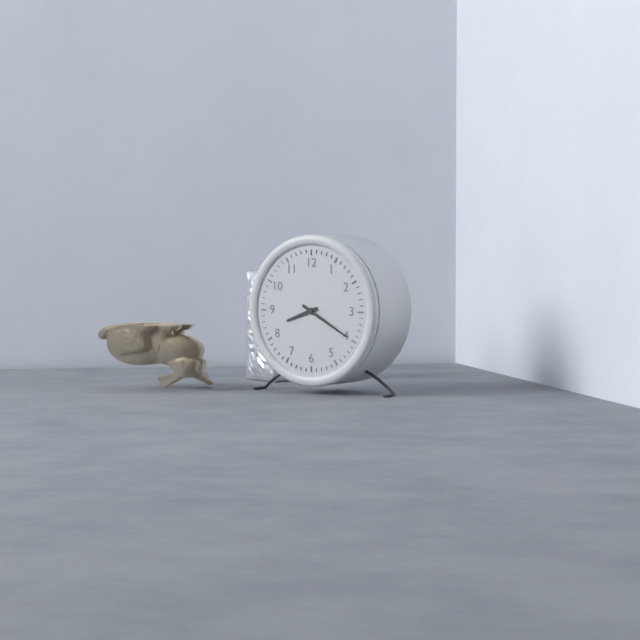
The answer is 8:20
